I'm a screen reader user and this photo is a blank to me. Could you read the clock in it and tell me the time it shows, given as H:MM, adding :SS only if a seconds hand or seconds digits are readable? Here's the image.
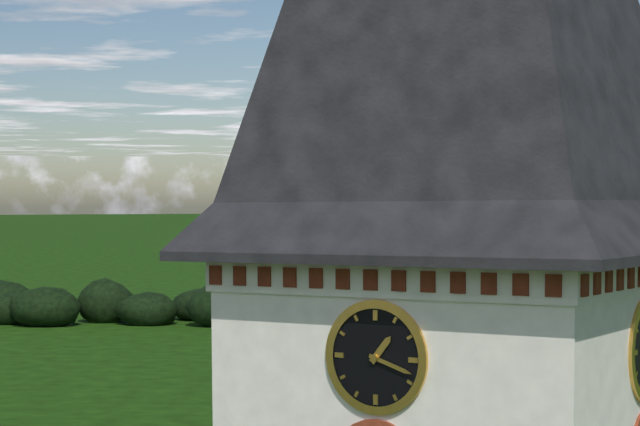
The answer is 1:18
